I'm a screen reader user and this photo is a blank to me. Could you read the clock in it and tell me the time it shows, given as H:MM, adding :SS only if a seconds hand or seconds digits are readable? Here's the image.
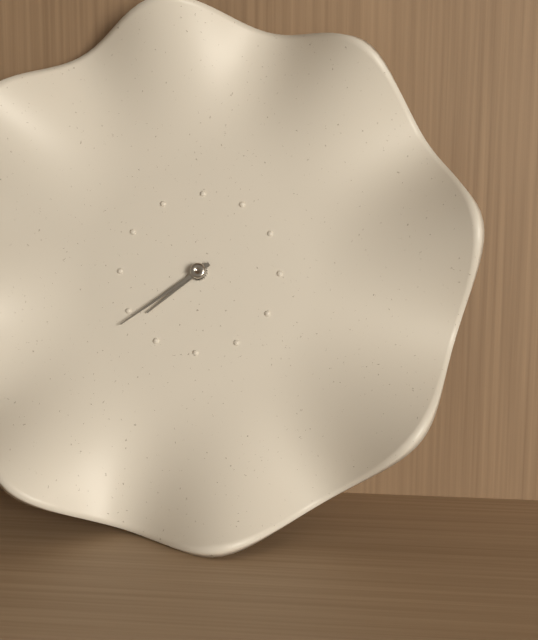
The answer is 7:39
